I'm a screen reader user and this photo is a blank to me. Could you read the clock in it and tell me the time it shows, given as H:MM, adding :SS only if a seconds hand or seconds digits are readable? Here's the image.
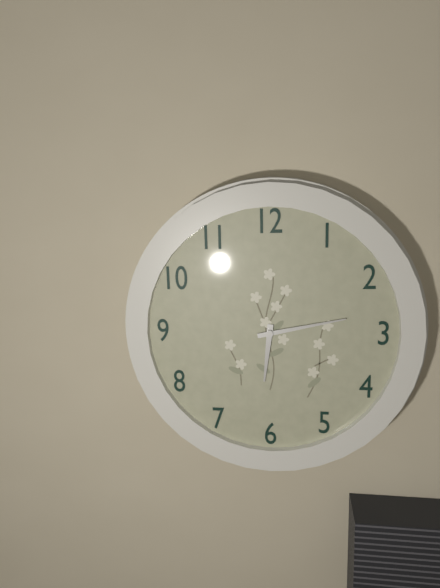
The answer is 6:13
